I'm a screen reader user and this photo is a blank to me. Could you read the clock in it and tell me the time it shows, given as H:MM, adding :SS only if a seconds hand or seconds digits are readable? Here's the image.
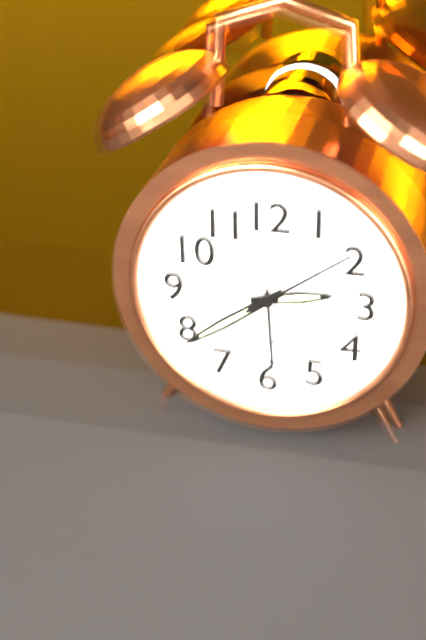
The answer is 2:39:09
